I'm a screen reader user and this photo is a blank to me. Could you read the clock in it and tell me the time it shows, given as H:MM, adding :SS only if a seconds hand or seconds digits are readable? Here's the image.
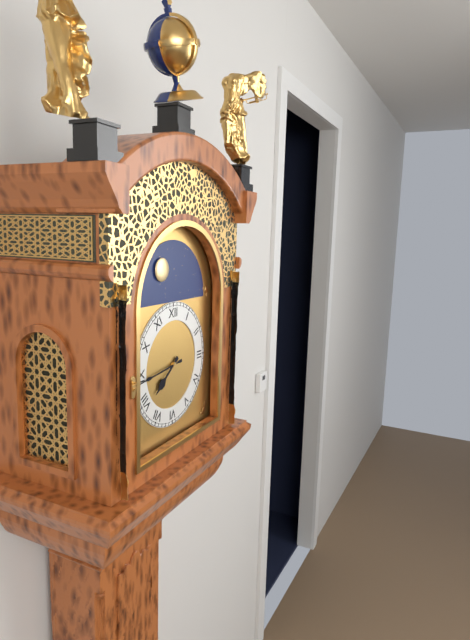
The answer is 7:44
